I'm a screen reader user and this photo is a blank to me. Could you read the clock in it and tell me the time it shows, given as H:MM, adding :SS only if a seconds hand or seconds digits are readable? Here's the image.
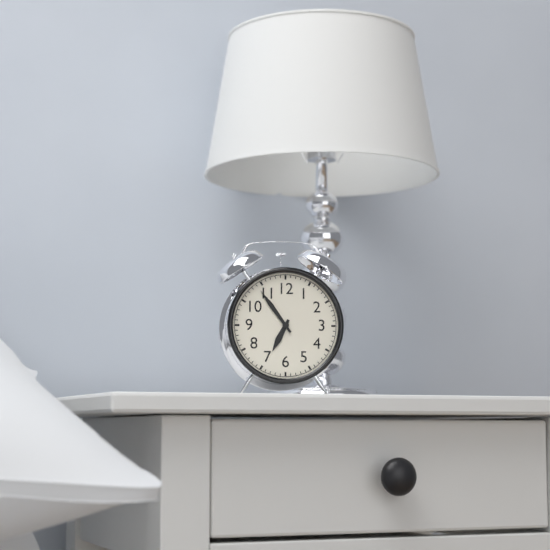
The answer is 6:54
